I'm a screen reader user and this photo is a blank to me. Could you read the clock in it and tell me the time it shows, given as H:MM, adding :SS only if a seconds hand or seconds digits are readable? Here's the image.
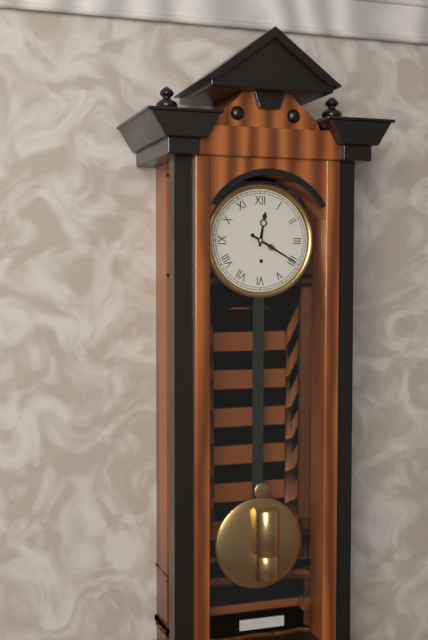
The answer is 12:20
